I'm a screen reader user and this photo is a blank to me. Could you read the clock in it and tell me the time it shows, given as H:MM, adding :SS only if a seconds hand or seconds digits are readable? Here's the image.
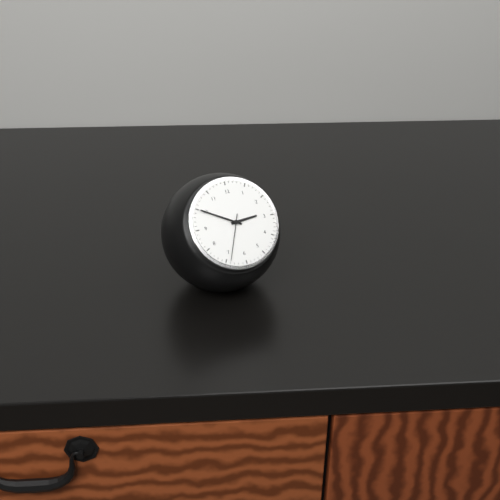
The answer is 2:50
